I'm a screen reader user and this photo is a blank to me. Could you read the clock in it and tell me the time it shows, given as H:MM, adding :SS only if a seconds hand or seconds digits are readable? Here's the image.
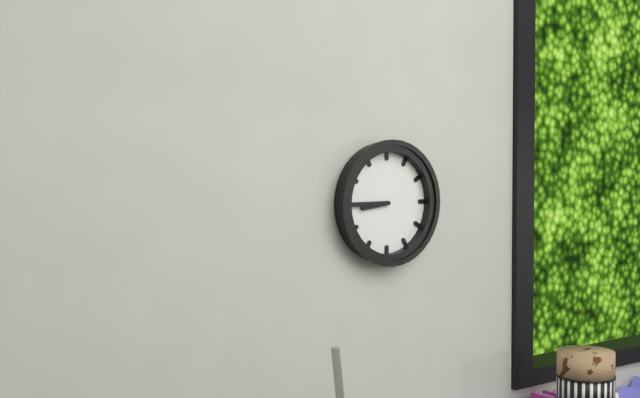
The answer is 8:45
